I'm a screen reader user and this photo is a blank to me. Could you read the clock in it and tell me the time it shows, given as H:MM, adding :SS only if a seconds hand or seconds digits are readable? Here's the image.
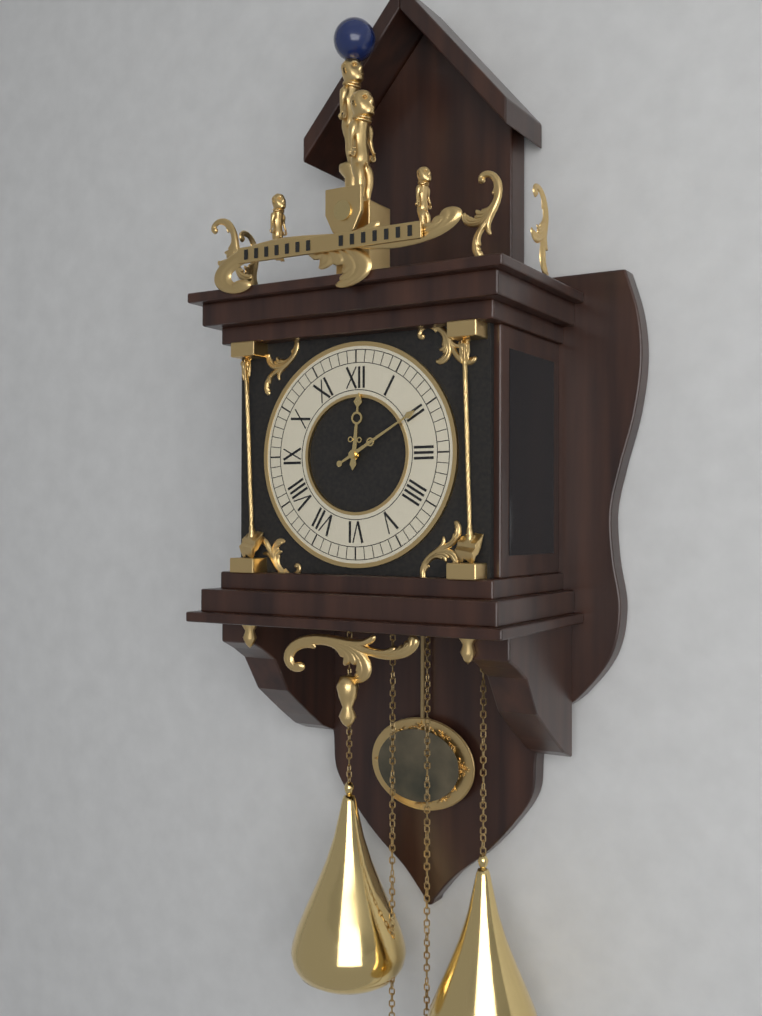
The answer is 12:10
